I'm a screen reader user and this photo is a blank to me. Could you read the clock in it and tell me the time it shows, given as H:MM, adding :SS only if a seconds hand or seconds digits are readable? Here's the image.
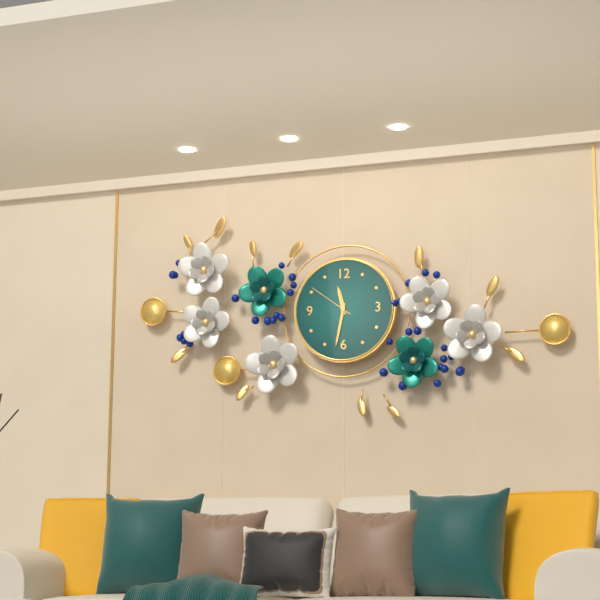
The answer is 11:32
